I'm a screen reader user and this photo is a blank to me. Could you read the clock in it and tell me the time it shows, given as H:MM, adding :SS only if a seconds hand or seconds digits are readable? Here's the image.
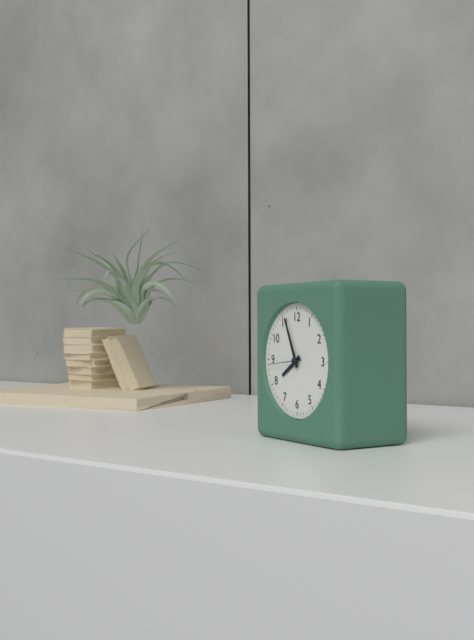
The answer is 7:56:44
